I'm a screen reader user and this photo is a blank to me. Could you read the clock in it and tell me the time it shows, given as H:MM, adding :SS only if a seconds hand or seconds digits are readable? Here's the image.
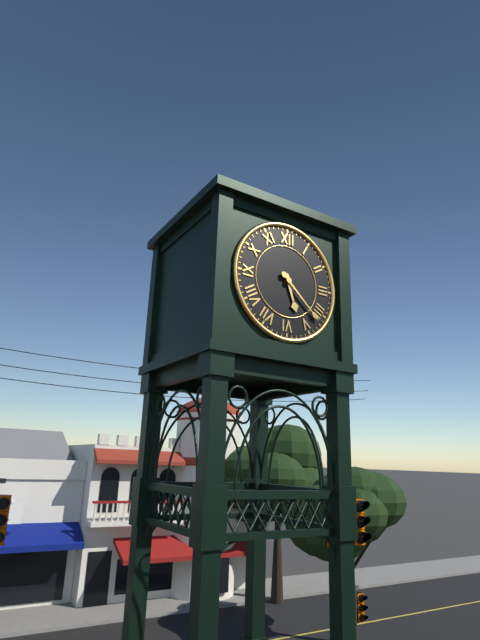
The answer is 5:22
